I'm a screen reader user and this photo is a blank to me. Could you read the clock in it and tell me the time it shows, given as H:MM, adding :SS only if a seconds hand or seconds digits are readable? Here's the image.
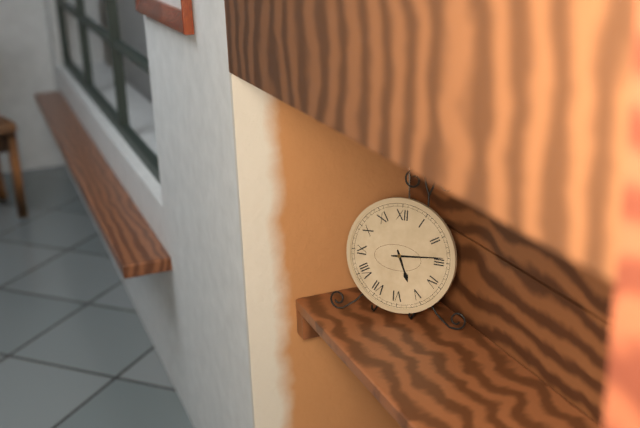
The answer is 5:14
